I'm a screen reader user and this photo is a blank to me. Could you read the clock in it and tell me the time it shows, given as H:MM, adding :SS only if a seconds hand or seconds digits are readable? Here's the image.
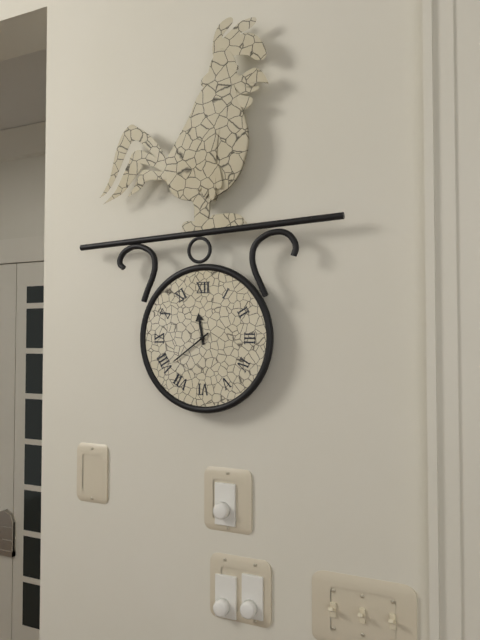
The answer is 11:39
